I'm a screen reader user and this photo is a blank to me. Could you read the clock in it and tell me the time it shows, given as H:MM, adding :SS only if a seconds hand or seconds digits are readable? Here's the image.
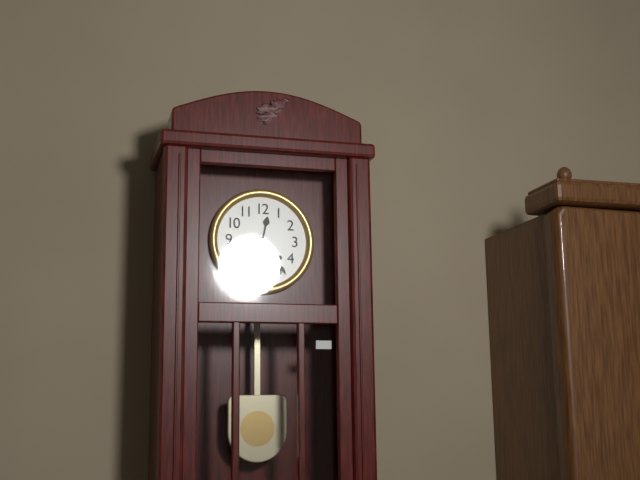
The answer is 12:24
